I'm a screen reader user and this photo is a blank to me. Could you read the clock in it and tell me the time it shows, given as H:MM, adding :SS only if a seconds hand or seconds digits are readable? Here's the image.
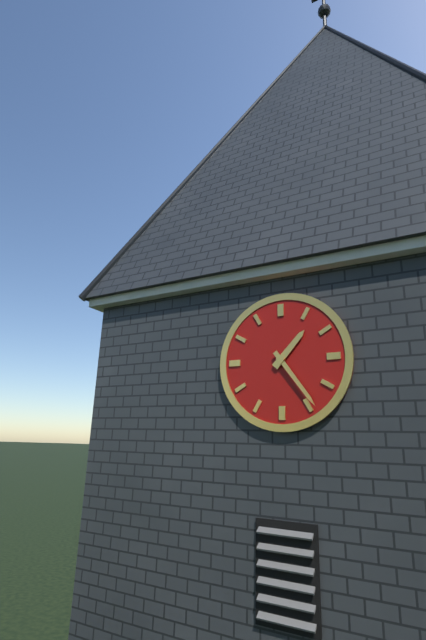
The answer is 1:24
